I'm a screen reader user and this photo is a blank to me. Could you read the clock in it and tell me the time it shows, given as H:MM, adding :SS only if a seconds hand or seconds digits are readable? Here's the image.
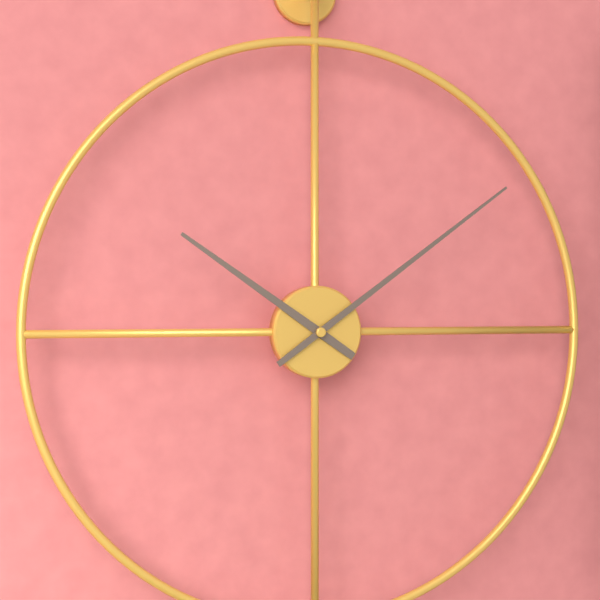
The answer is 10:09
